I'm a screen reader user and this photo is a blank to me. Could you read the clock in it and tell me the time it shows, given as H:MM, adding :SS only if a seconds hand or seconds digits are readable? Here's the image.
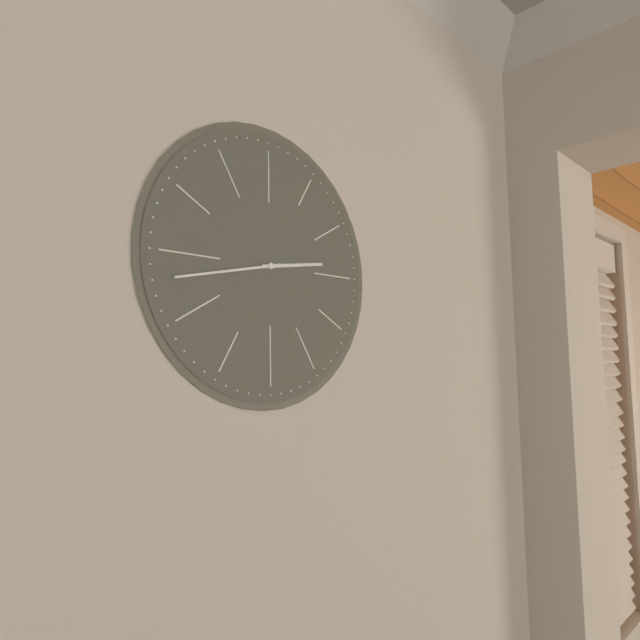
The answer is 2:43
